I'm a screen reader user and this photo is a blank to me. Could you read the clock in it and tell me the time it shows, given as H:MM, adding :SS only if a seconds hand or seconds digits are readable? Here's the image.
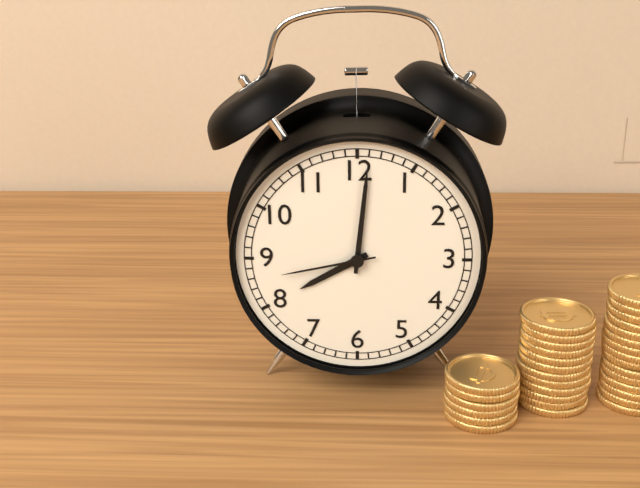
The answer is 8:01:43
